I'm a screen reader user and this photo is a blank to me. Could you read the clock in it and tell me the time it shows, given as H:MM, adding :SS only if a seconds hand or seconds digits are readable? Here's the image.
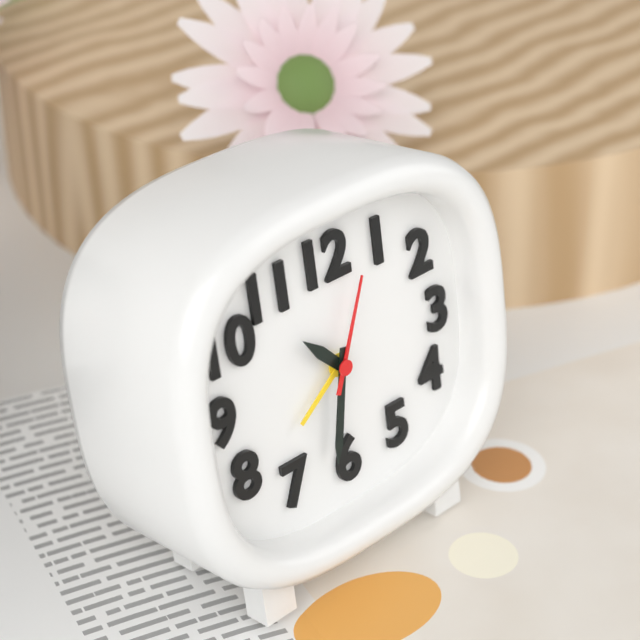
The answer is 10:32:04
